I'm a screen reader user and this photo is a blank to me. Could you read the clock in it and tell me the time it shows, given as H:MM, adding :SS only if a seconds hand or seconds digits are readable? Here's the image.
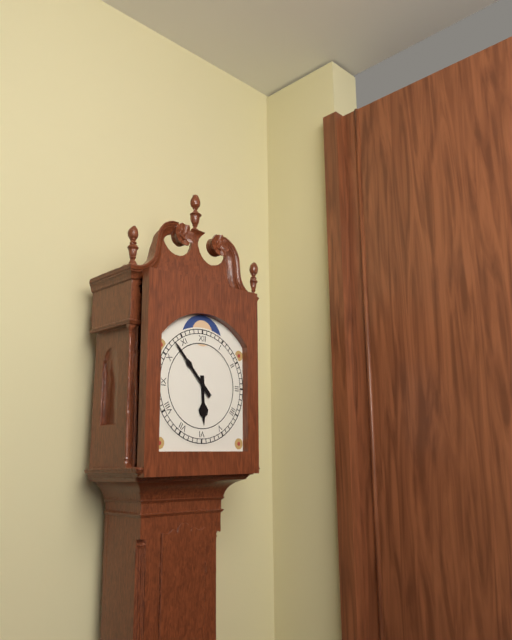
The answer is 5:53
